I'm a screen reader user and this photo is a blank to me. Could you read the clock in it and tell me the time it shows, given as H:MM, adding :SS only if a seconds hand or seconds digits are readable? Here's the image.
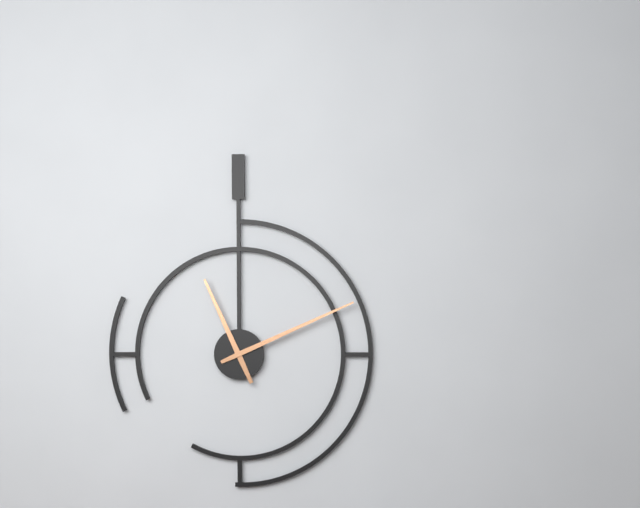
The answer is 11:11
